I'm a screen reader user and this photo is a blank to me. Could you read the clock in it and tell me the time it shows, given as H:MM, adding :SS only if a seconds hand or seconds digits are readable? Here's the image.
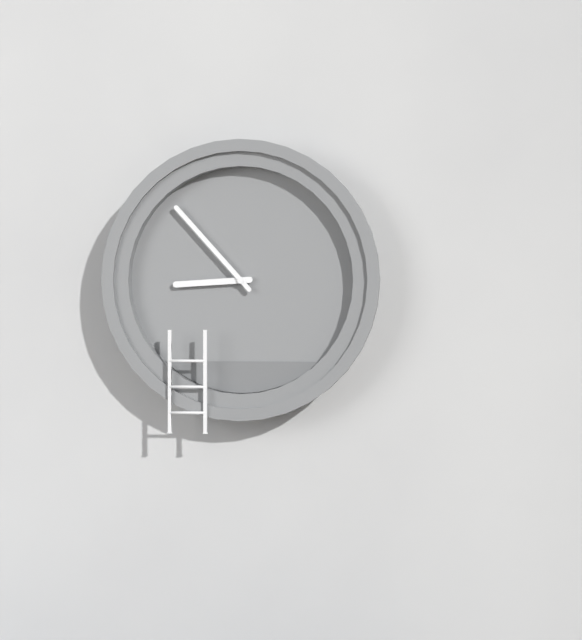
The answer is 8:53
